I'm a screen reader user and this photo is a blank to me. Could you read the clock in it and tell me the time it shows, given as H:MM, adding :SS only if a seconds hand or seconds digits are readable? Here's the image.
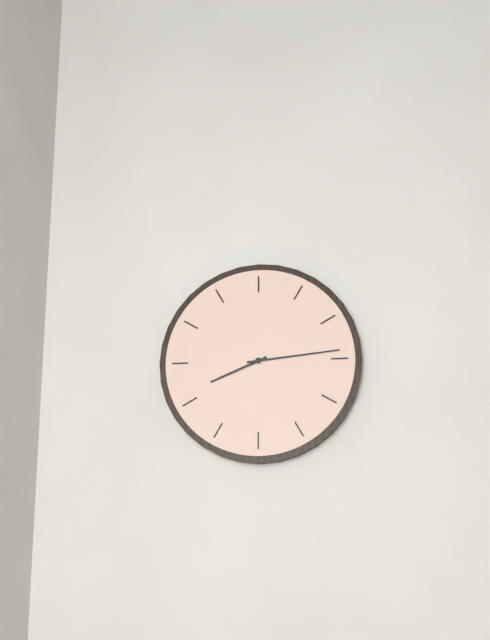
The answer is 8:14
